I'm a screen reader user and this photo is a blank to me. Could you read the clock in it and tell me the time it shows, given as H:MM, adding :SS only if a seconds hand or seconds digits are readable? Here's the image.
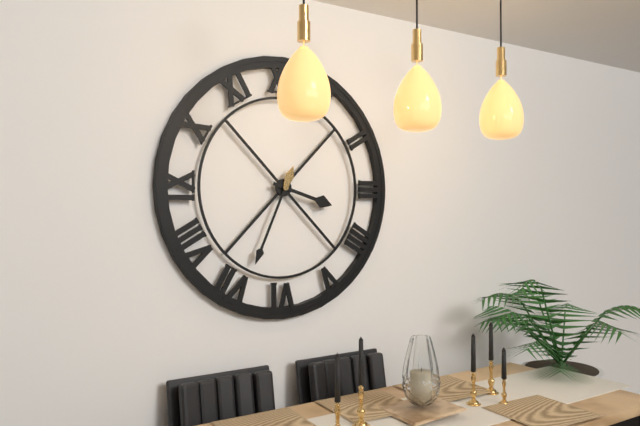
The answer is 3:34
